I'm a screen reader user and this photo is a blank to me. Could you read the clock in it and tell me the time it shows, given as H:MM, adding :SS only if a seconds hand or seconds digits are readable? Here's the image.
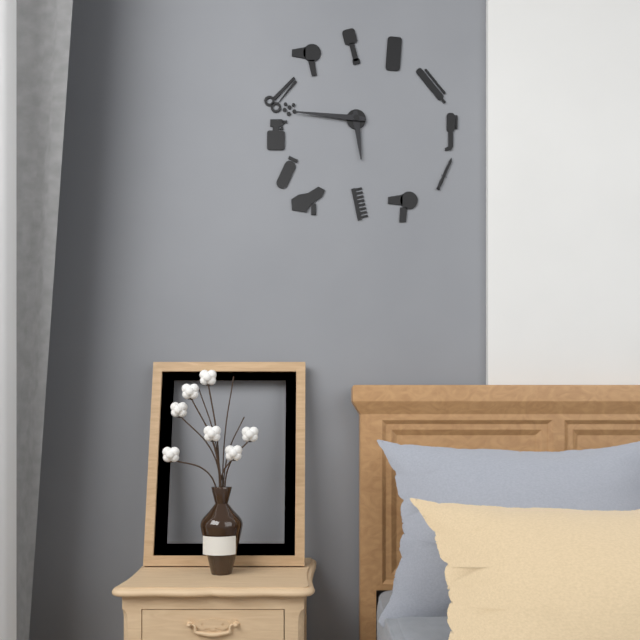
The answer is 5:46
